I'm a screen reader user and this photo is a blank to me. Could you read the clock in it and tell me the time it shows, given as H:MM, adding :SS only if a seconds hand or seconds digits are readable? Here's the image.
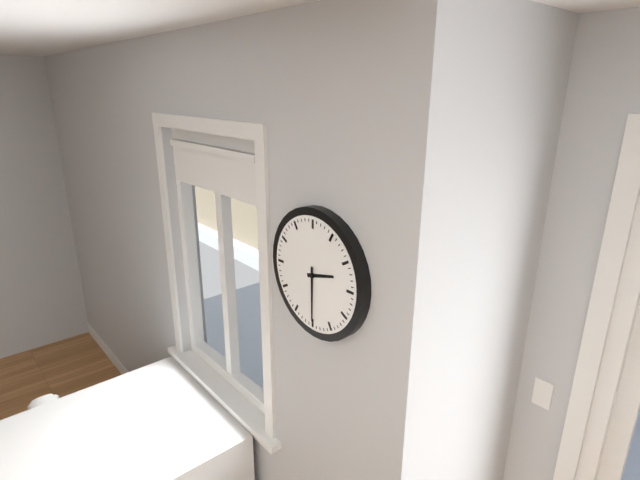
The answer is 2:30
